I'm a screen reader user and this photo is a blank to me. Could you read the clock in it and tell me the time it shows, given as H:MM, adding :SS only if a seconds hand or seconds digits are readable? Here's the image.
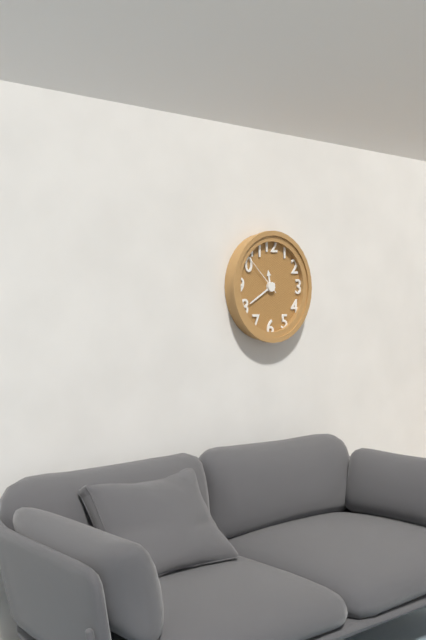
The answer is 11:40
